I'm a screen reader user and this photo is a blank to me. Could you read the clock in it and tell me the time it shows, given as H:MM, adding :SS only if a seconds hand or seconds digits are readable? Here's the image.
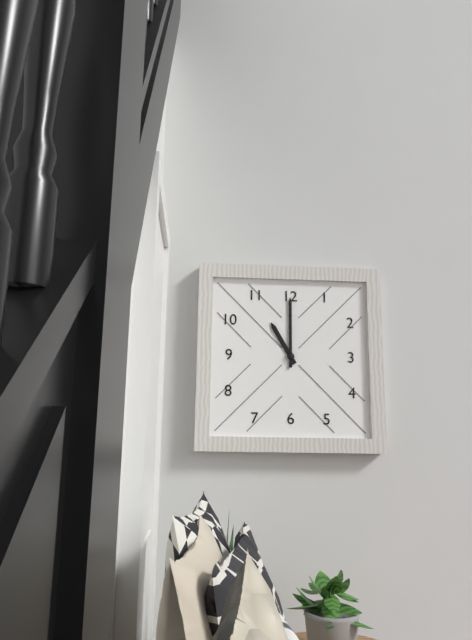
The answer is 11:00
